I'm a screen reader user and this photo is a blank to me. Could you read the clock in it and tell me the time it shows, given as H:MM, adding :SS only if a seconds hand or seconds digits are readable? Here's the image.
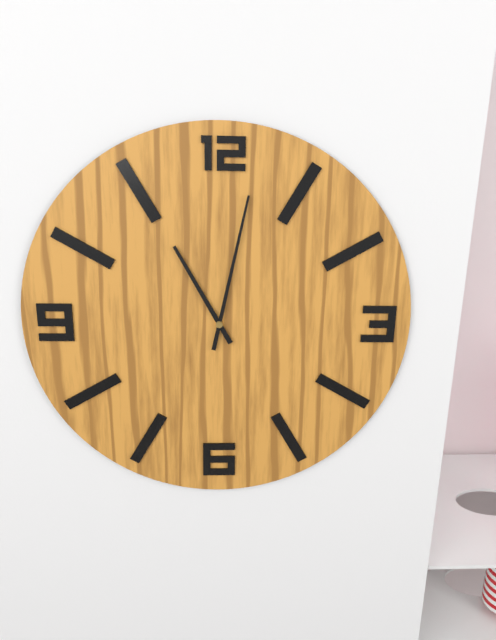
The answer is 11:02
